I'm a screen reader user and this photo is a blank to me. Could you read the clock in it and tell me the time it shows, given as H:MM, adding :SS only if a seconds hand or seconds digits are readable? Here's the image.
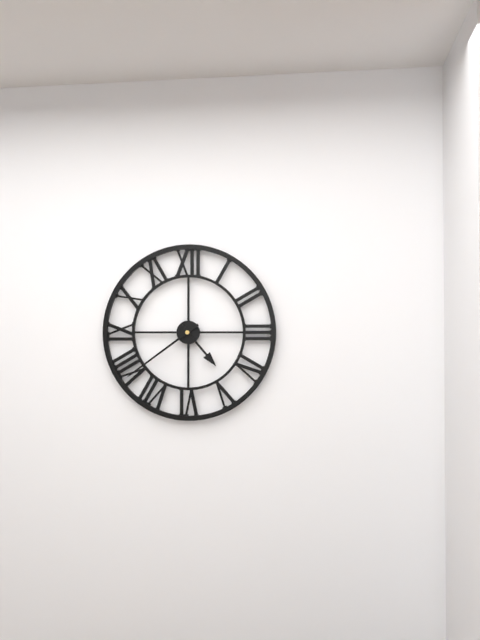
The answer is 4:39
